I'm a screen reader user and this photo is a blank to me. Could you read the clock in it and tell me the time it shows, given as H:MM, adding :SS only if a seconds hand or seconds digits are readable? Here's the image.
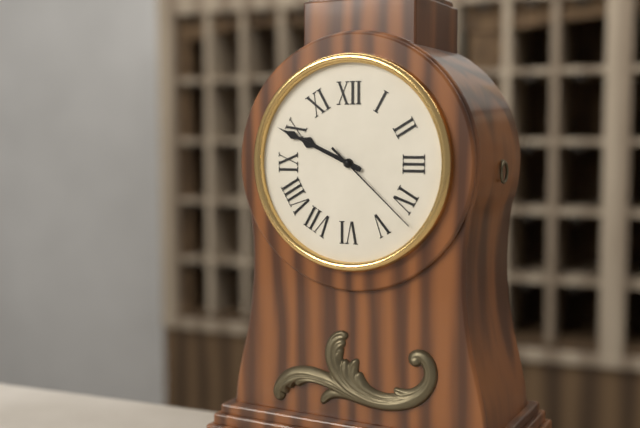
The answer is 9:49:22
